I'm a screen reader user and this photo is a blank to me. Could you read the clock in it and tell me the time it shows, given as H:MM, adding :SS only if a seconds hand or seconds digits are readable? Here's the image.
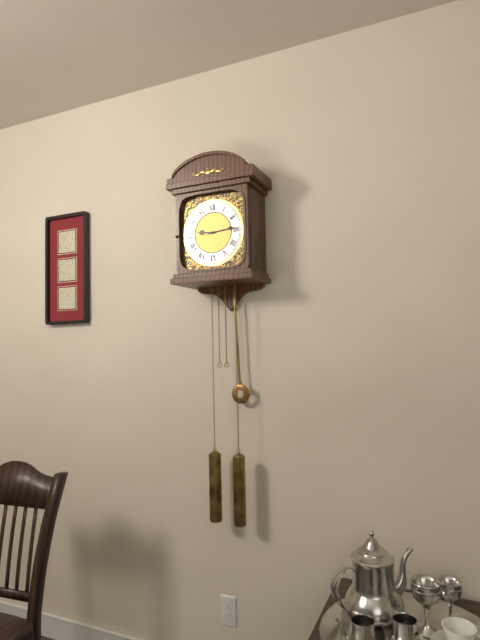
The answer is 9:14
